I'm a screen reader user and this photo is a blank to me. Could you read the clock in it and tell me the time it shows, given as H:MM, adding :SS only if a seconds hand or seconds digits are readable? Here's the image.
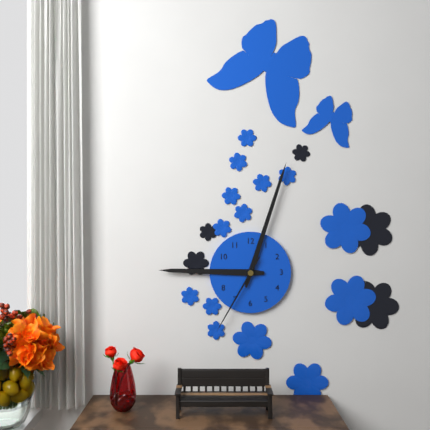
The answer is 9:03:35
